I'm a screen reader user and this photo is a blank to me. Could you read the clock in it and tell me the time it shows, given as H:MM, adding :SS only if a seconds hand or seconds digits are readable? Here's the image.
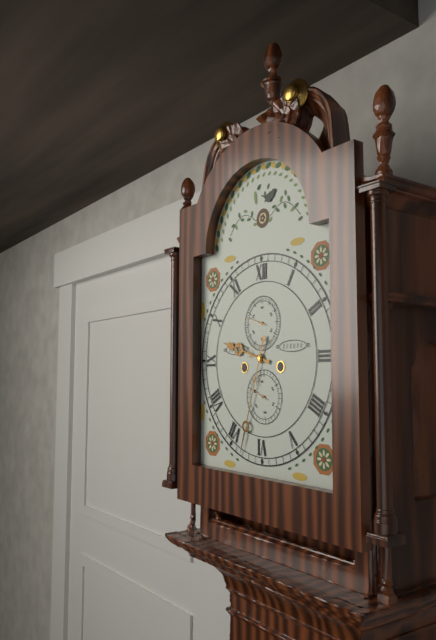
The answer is 9:33
